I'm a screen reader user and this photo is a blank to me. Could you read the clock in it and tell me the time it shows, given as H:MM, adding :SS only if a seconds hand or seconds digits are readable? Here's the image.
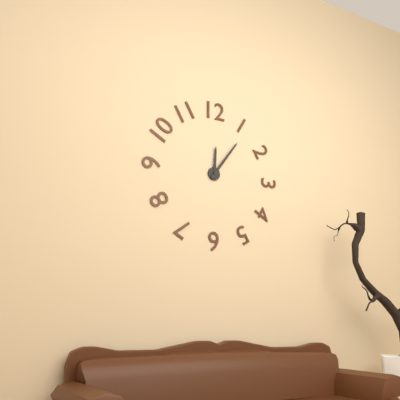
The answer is 12:06
